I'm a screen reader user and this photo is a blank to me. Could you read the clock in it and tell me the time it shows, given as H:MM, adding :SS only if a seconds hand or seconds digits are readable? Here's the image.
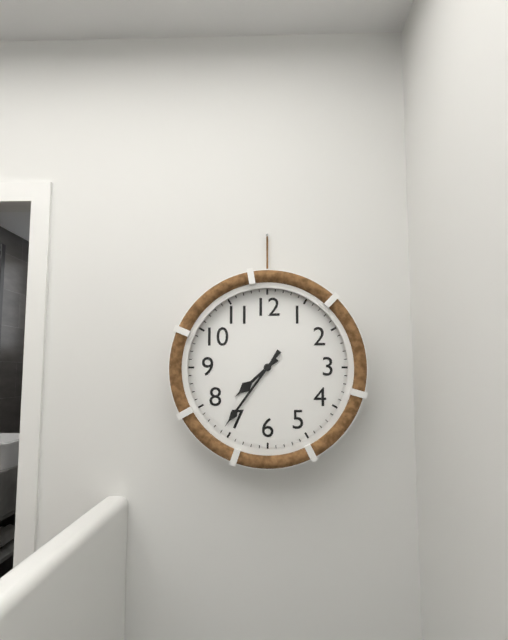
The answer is 7:36
